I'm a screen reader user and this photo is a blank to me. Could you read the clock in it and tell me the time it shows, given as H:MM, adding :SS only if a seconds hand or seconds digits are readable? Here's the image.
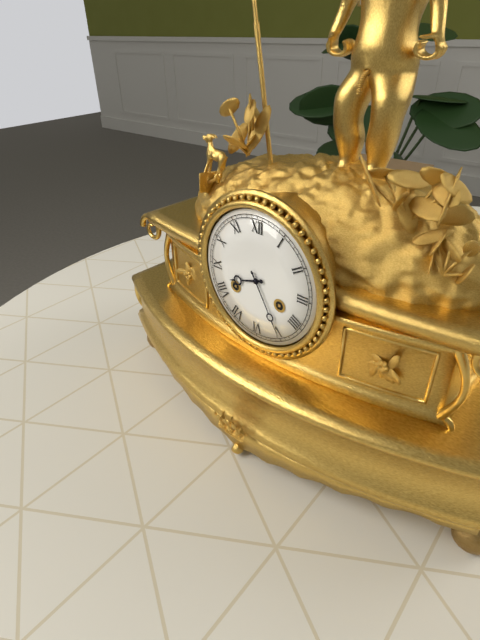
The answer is 8:25
